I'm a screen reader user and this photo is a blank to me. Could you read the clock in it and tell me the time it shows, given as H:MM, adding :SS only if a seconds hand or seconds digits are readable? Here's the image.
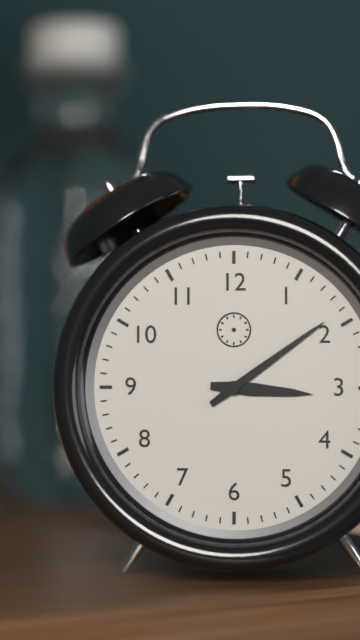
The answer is 3:09
